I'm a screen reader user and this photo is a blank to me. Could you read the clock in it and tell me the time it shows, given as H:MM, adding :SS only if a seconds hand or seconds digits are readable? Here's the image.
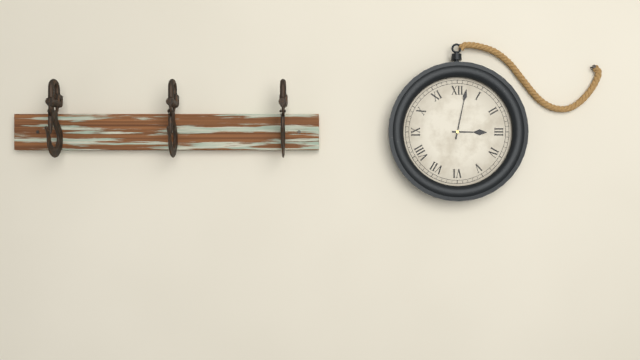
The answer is 3:02
